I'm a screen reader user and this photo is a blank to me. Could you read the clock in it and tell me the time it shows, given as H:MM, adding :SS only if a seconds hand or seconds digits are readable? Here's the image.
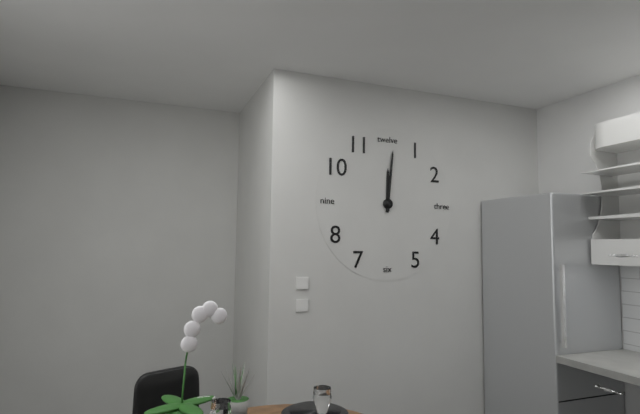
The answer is 12:01
